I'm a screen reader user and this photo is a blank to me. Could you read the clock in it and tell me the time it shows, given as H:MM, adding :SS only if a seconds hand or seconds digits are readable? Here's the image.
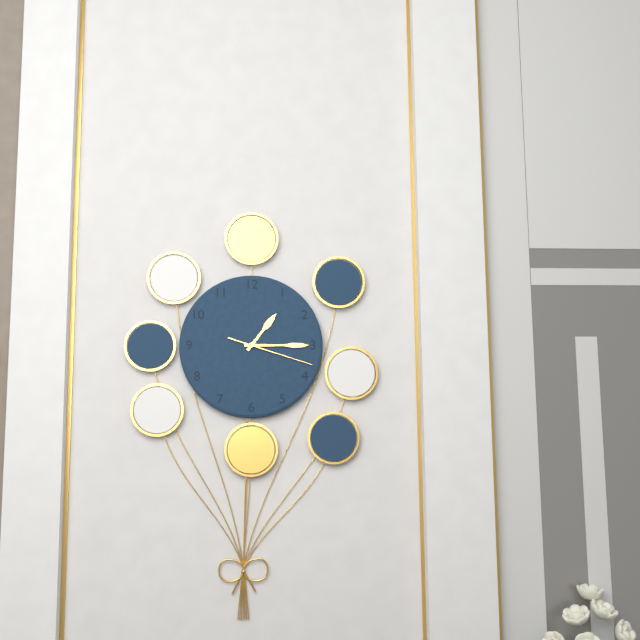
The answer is 1:15:18
